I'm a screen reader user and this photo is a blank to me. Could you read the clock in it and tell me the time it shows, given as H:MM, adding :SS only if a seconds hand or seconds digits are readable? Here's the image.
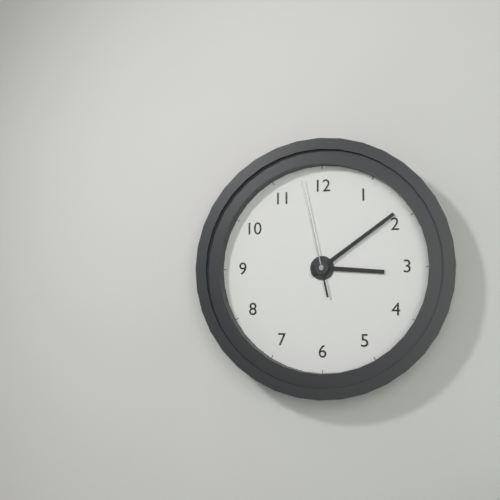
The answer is 3:09:58
